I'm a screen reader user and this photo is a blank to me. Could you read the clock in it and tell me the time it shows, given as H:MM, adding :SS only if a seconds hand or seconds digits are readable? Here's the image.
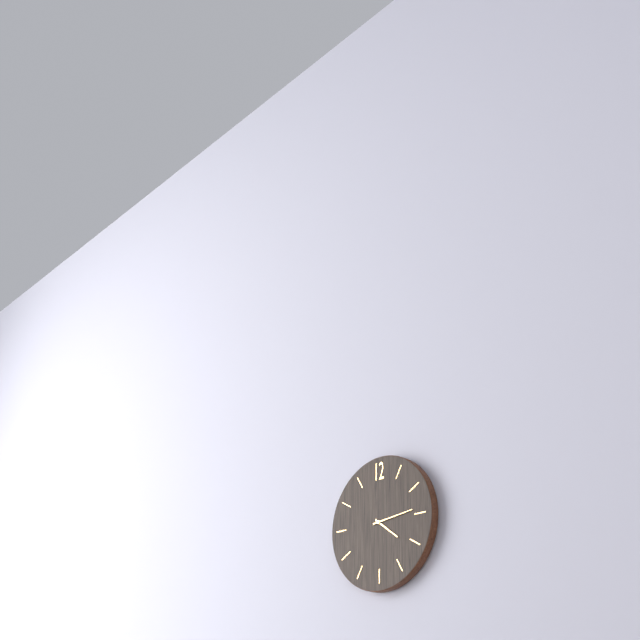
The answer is 4:14
